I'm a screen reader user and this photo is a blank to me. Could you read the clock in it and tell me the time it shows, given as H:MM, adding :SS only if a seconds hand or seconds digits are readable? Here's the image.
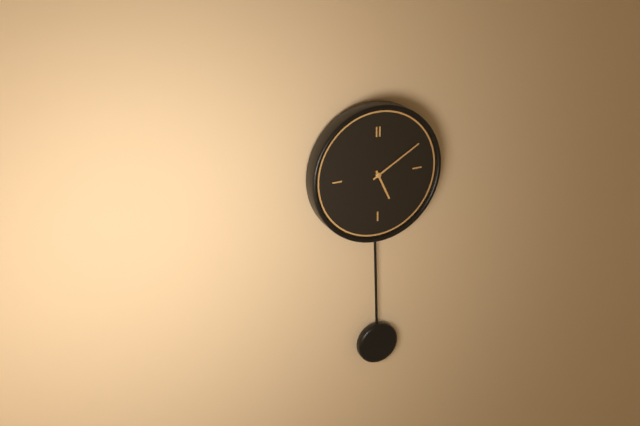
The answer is 5:10
